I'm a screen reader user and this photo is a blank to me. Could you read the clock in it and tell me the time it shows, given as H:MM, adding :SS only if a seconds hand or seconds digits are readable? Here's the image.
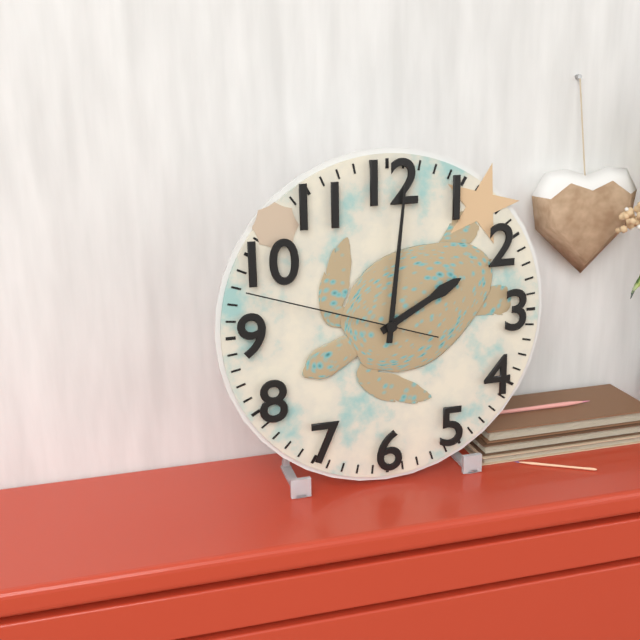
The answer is 2:01:48
